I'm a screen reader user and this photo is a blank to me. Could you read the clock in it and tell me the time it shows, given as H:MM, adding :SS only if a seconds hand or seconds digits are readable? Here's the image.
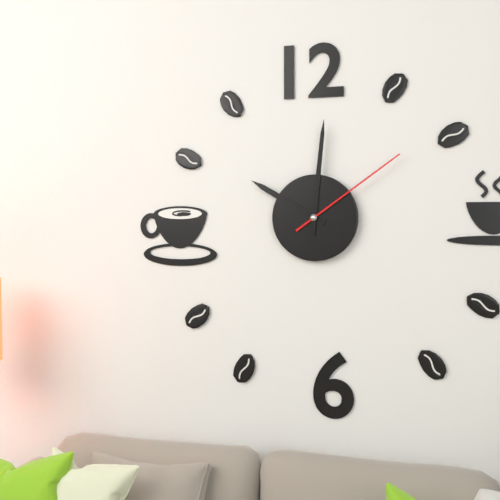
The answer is 10:01:09
